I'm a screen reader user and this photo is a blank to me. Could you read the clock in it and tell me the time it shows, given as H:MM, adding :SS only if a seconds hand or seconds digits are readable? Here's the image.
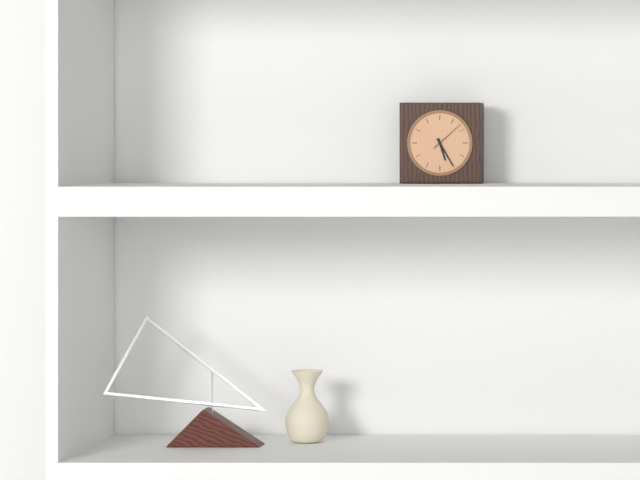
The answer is 5:25
